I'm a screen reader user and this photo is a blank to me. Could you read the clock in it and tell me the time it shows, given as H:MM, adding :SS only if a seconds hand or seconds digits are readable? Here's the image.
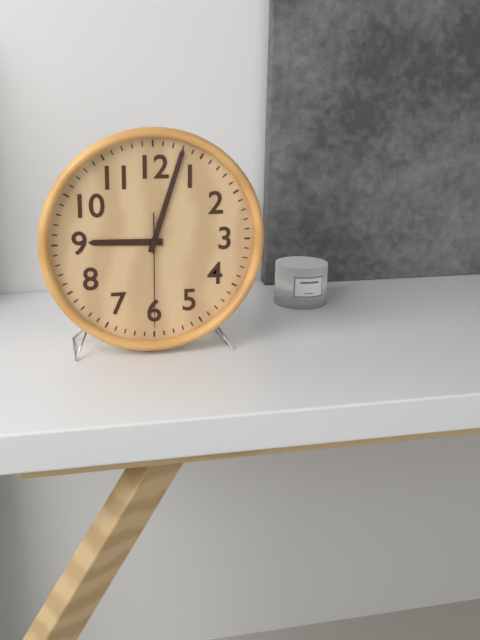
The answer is 9:03:30
